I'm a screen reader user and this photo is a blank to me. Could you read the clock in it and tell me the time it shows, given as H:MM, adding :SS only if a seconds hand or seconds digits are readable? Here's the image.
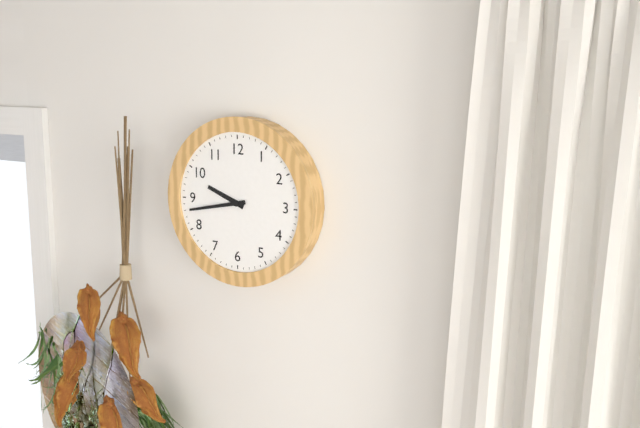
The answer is 9:43
